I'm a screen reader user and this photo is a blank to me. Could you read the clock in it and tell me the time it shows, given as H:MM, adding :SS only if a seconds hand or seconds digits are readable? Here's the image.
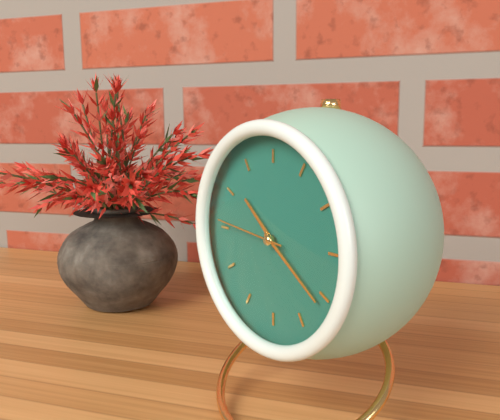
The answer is 10:21:46
